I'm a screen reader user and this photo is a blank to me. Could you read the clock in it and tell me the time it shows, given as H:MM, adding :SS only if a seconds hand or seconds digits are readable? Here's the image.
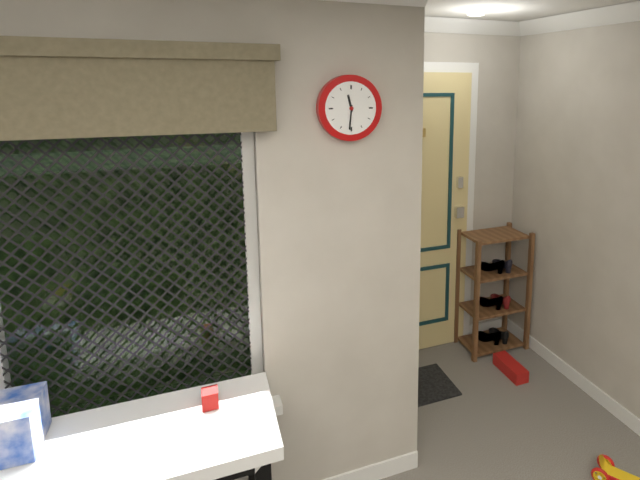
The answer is 11:31
